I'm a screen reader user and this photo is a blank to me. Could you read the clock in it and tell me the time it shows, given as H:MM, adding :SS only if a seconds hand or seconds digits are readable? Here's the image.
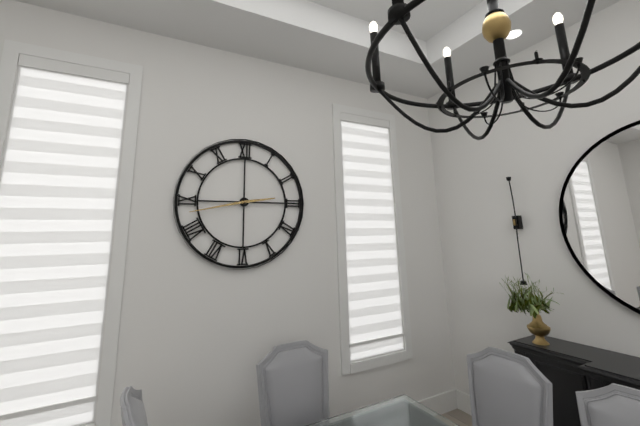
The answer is 2:43
